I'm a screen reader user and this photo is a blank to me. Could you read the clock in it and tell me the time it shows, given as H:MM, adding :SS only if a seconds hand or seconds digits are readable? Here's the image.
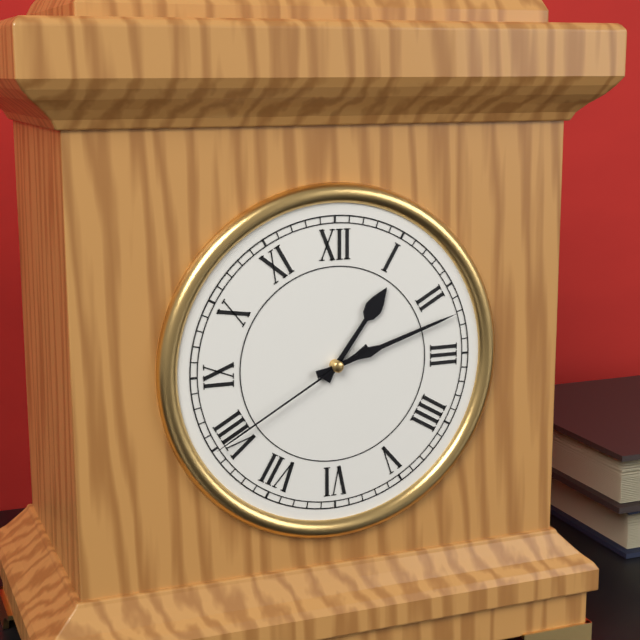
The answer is 1:12:40
